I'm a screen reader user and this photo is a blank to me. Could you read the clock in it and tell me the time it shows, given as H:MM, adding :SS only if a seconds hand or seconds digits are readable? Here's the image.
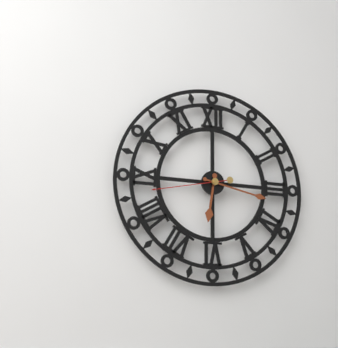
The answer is 6:17:43
